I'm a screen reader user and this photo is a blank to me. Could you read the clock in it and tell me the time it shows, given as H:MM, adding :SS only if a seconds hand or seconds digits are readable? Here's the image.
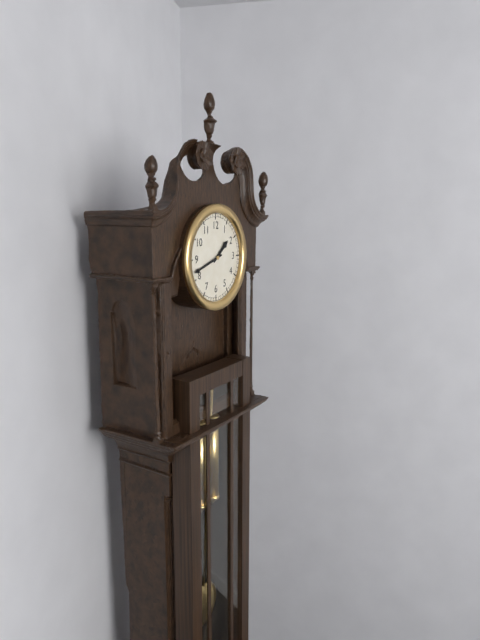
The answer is 1:42
